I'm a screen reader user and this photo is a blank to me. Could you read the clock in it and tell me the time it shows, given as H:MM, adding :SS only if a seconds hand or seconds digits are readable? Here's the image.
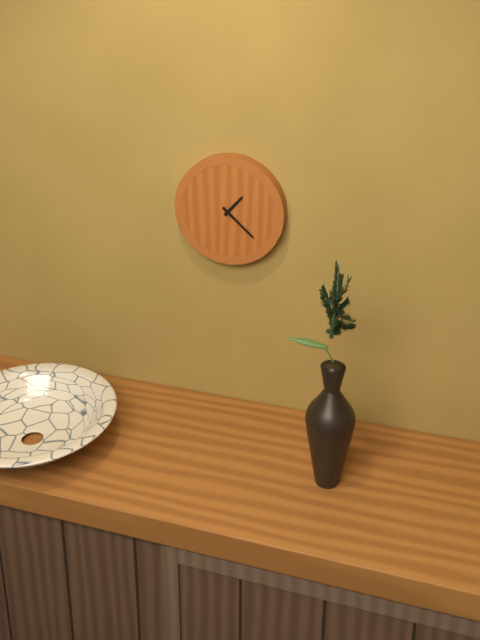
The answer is 1:22
